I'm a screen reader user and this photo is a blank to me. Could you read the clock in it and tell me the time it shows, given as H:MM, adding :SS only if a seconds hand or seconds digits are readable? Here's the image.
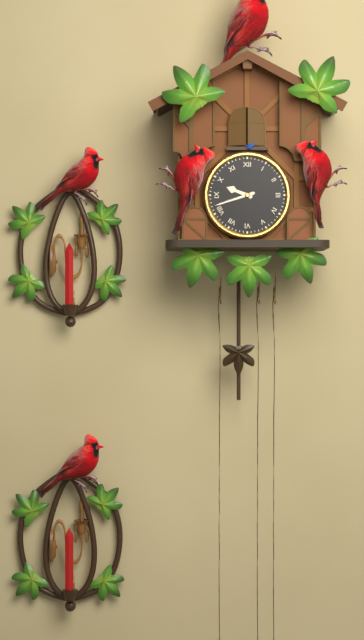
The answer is 9:42
